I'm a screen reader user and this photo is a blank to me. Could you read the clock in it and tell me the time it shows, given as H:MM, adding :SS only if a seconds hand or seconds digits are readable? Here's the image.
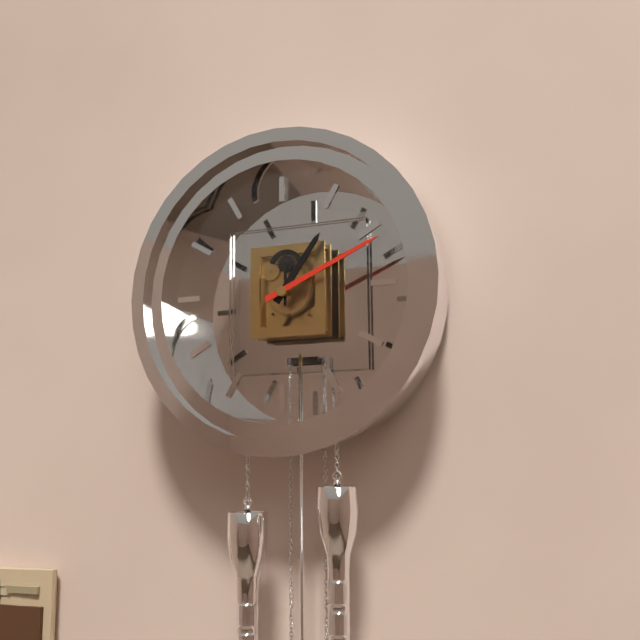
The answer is 1:11
